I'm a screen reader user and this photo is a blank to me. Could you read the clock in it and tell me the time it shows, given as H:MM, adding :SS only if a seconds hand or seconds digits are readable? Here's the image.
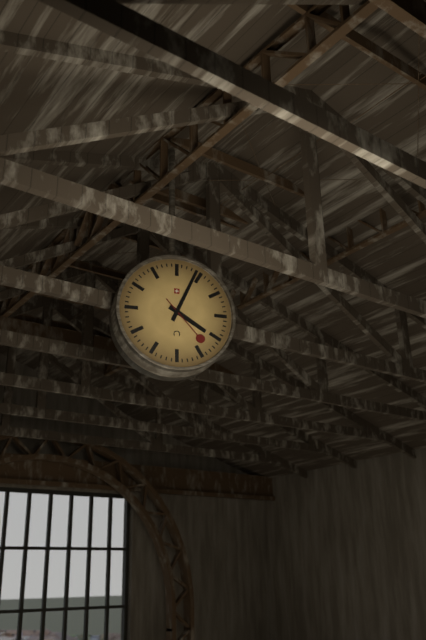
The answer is 4:04:23
